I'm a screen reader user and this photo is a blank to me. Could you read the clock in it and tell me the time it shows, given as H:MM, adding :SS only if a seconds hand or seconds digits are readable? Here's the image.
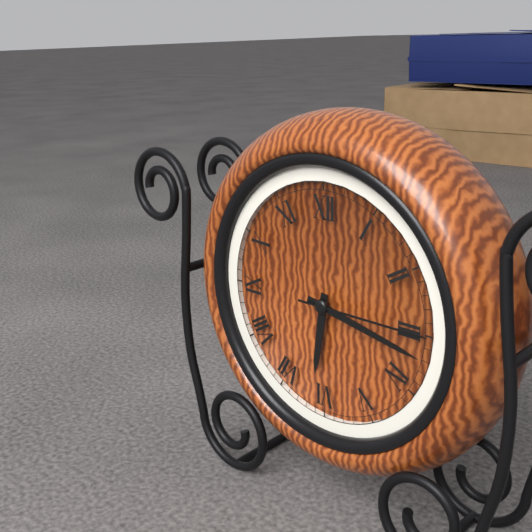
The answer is 6:17:15
